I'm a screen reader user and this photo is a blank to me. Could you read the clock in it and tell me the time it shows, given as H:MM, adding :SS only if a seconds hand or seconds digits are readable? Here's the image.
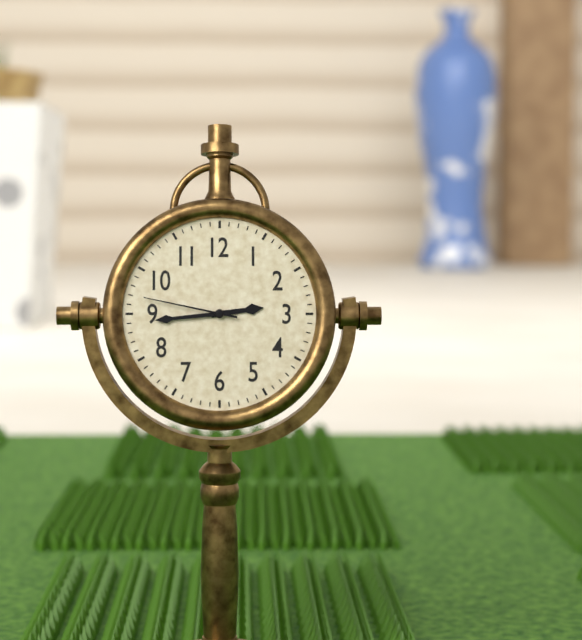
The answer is 2:44:47
